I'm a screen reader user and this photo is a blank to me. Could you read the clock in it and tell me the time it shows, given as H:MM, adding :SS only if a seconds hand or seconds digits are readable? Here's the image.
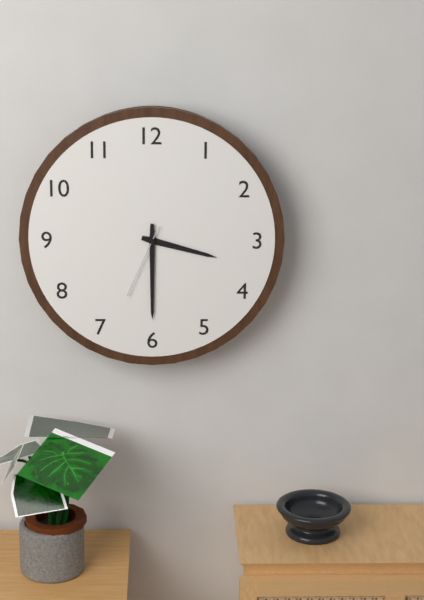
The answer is 3:30:34
